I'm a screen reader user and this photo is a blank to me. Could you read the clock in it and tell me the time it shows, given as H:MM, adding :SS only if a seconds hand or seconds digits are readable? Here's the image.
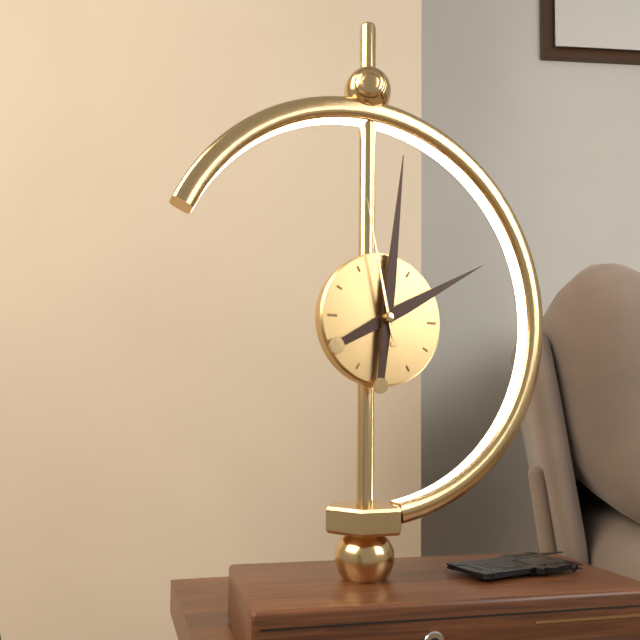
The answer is 2:01:58
